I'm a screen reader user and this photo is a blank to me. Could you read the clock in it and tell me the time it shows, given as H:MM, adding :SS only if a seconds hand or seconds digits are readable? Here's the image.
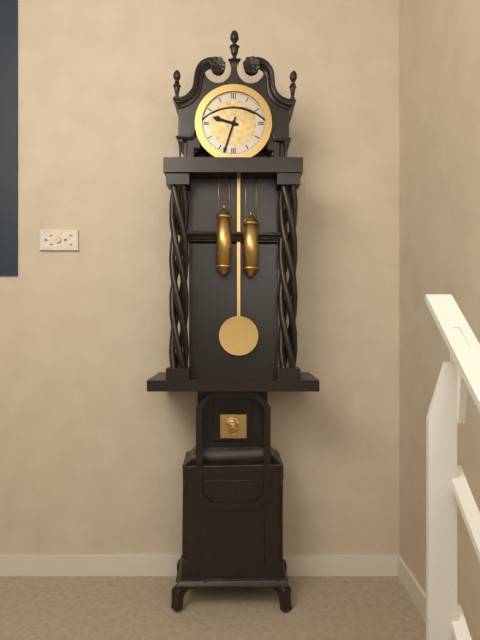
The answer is 9:33
